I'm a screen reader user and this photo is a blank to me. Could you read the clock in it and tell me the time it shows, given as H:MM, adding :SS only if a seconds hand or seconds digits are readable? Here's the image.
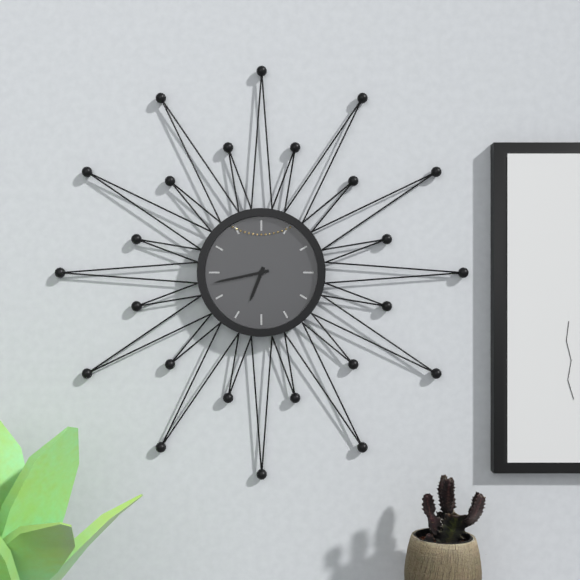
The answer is 6:43
